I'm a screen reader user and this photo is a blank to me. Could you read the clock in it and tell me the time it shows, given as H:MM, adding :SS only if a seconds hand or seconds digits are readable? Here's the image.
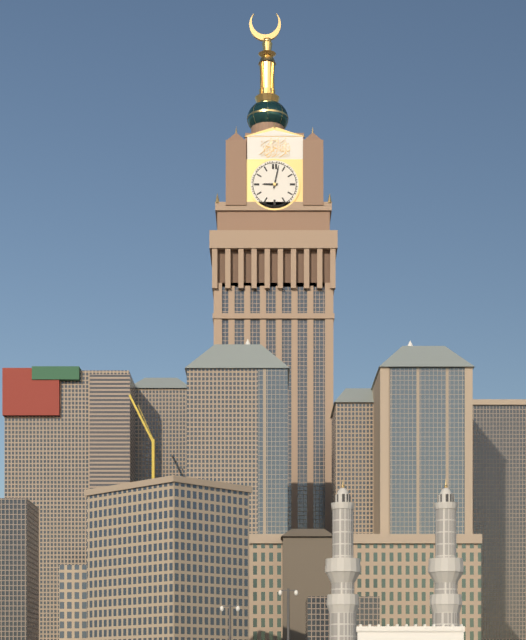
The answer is 9:02
